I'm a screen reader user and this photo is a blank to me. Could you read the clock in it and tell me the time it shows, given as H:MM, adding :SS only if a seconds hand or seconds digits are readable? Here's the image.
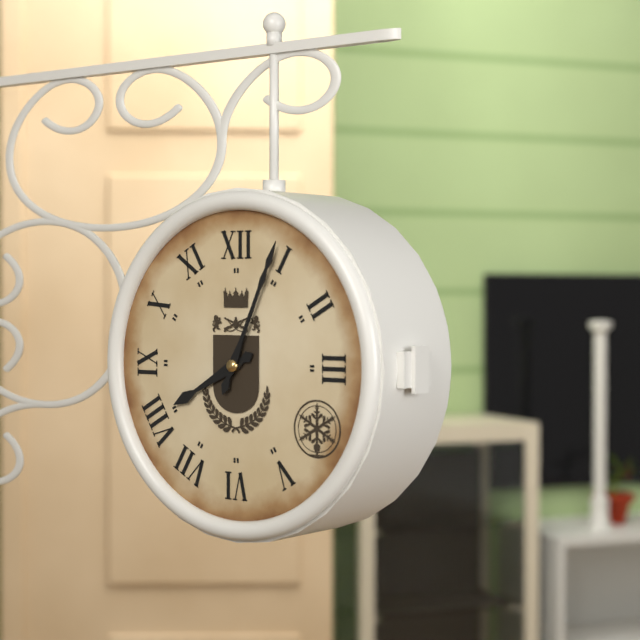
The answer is 8:04
